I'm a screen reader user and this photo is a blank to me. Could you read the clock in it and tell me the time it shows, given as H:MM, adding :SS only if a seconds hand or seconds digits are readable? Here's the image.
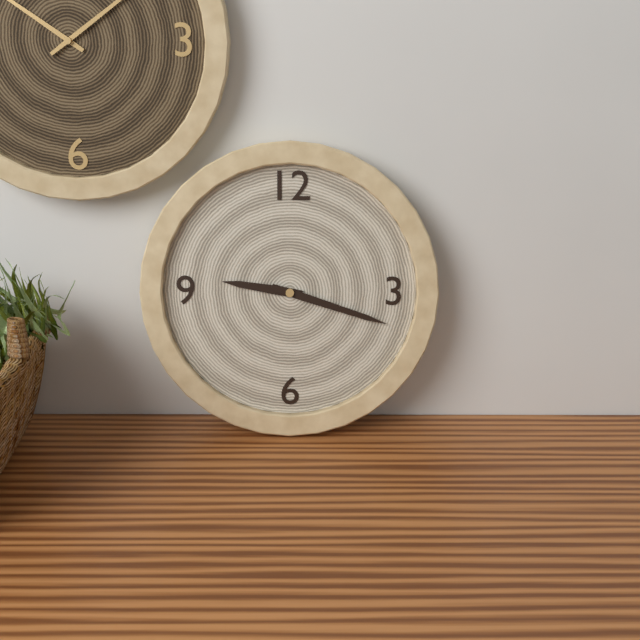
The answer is 9:18
